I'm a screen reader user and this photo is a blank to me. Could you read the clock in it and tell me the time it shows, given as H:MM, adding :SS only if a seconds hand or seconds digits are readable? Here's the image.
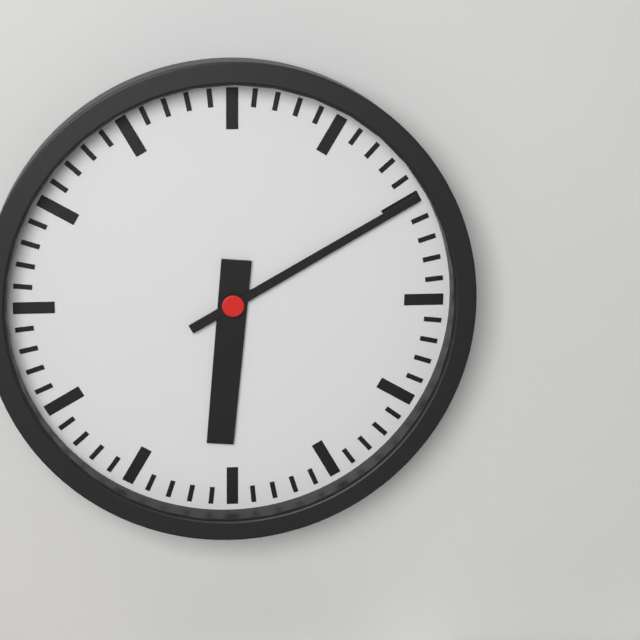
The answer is 6:10
